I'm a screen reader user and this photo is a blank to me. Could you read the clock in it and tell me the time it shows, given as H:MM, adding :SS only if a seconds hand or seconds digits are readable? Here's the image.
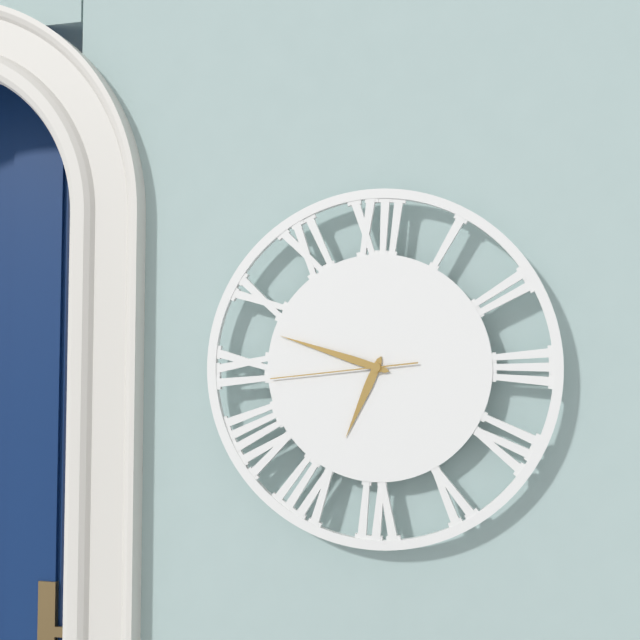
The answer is 6:48:44
